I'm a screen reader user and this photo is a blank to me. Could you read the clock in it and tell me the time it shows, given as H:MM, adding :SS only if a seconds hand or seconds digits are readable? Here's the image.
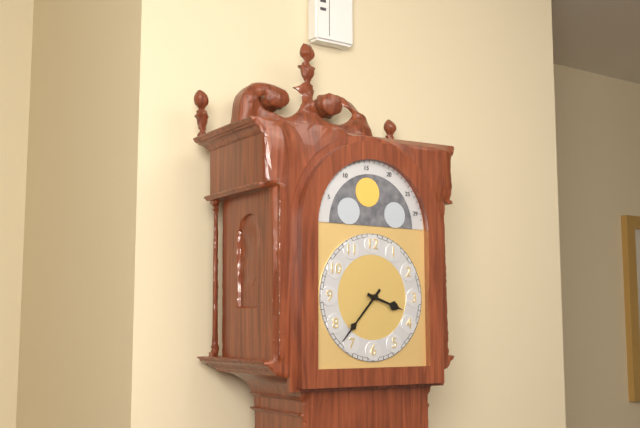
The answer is 3:37
